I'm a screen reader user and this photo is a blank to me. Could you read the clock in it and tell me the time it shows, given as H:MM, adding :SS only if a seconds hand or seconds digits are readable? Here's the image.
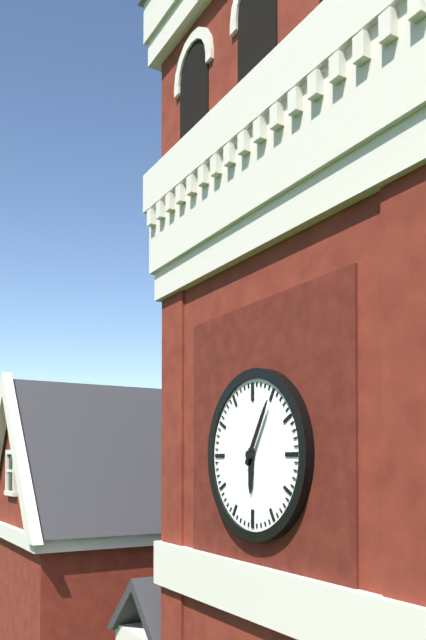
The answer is 6:05
